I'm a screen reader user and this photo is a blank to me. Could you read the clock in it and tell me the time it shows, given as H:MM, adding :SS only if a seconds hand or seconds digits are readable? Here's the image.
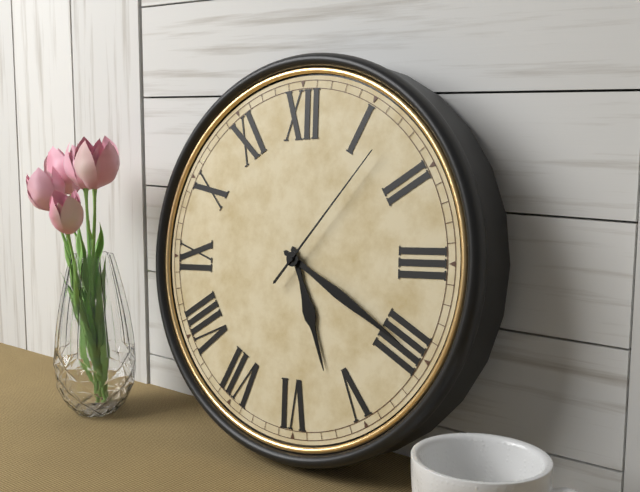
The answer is 5:20:07
